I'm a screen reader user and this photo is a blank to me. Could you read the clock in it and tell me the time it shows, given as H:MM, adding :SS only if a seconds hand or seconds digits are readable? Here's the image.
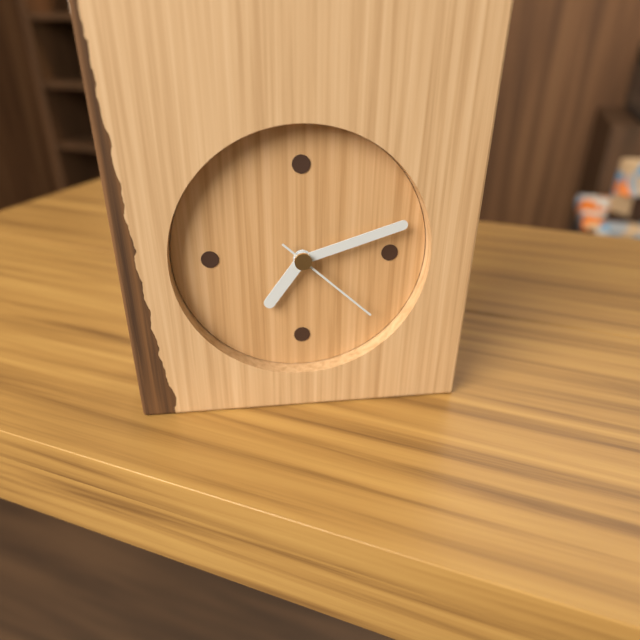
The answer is 7:12:22
